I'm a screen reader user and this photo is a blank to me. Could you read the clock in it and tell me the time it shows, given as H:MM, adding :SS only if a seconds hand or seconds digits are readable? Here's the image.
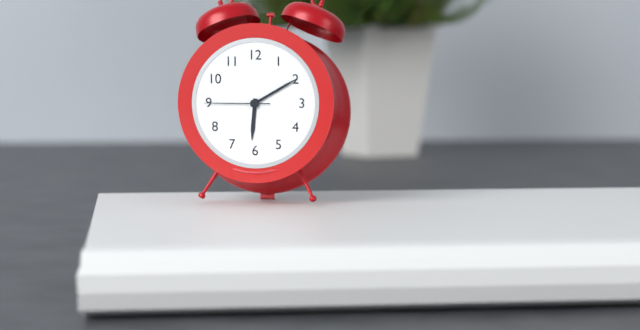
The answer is 6:10:45
